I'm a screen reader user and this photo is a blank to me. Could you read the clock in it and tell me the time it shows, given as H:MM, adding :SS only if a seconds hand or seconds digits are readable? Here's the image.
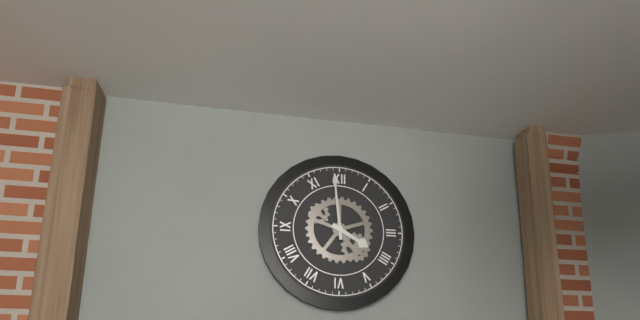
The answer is 3:59
